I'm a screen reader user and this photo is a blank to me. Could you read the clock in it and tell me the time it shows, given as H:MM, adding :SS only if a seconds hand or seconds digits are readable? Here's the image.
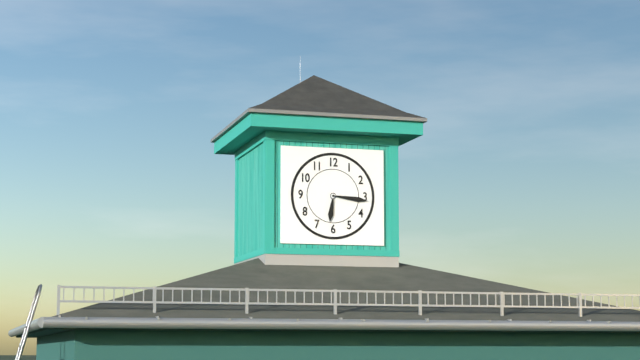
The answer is 6:16
